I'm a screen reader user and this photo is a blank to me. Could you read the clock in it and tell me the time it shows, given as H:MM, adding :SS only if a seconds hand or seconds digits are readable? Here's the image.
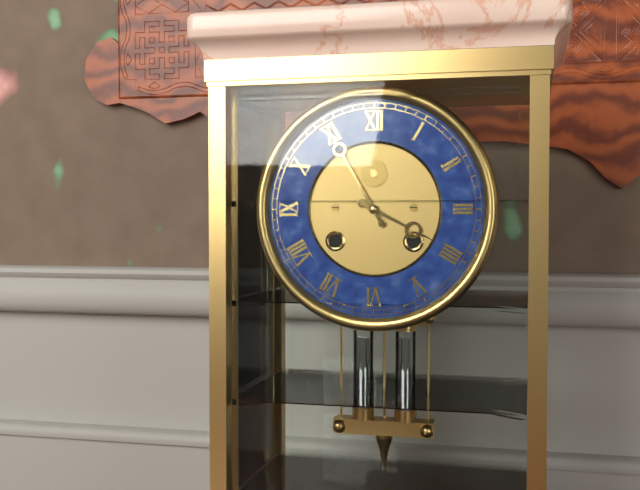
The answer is 3:55
